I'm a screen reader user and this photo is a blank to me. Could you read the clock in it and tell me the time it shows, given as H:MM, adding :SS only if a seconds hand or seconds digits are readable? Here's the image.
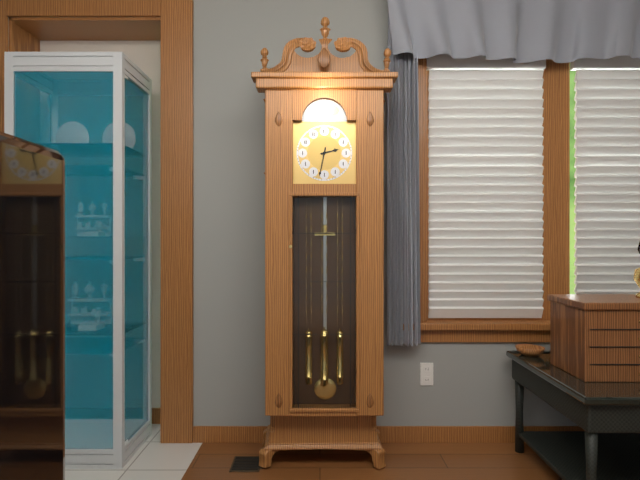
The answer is 2:32
